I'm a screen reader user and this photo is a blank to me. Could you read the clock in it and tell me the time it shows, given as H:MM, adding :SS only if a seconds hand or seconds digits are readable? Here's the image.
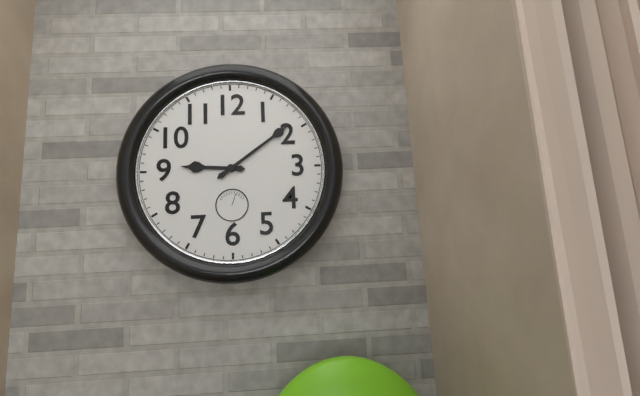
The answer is 9:09
